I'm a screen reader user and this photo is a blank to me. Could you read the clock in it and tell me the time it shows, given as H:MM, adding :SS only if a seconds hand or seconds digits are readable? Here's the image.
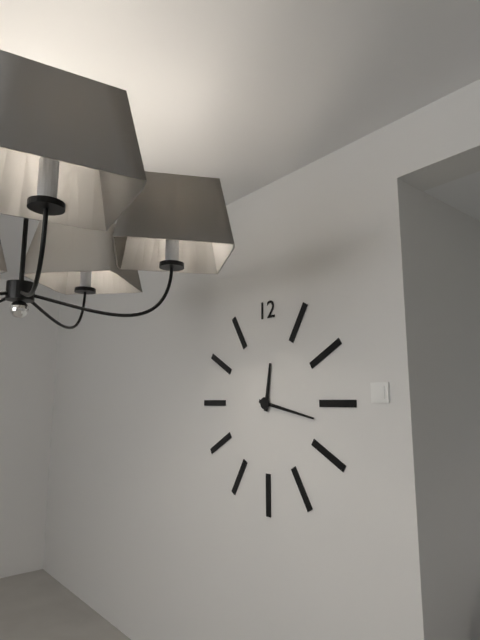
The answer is 12:17
